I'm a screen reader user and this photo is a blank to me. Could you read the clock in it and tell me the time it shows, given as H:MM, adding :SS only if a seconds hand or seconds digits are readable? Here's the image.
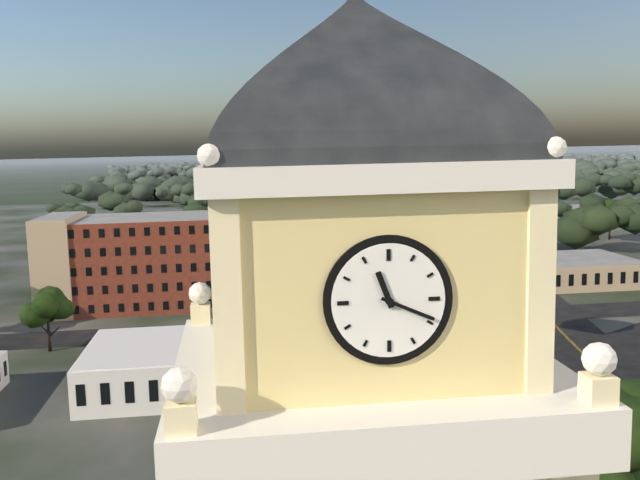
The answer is 11:19
